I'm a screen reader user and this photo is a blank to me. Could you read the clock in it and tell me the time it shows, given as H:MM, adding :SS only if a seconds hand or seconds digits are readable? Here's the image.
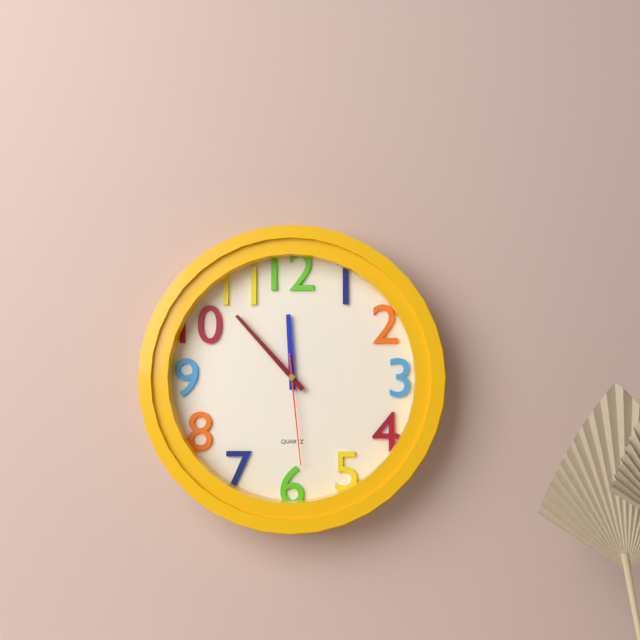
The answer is 11:53:29
